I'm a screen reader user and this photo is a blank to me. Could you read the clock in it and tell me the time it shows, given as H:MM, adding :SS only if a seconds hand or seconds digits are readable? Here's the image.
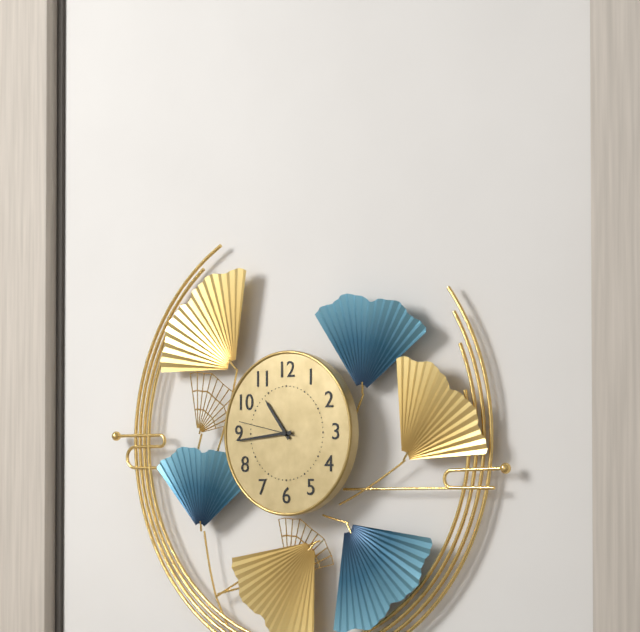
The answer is 10:44:47
